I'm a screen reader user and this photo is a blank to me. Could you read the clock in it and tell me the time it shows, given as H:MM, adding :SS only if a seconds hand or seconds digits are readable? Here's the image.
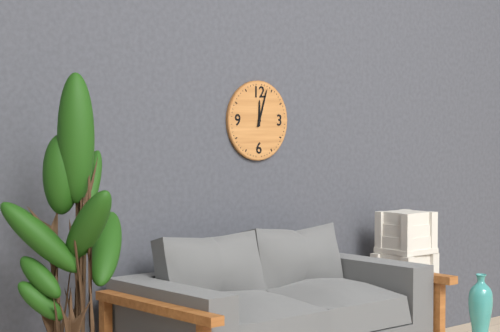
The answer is 12:03
